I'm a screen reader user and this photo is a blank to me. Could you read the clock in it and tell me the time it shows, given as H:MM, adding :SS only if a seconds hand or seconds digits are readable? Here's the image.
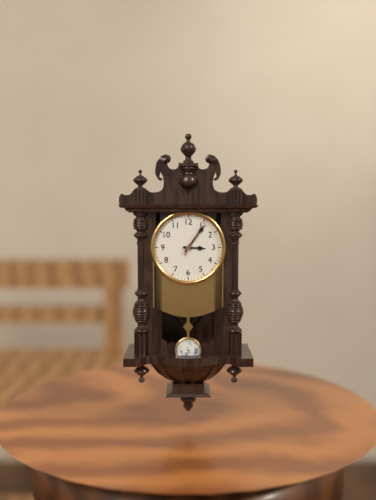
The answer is 3:06
